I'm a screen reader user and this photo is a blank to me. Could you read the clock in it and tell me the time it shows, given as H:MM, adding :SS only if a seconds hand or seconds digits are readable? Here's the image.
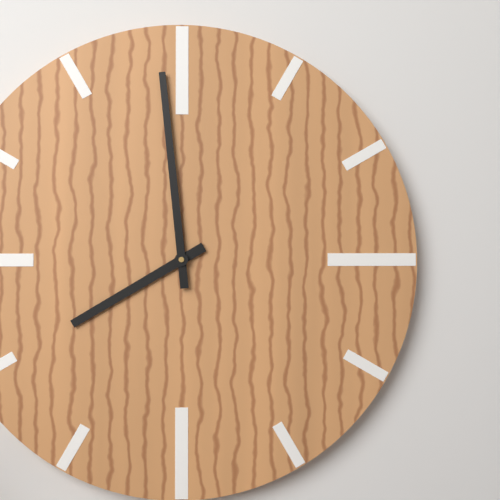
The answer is 7:59
